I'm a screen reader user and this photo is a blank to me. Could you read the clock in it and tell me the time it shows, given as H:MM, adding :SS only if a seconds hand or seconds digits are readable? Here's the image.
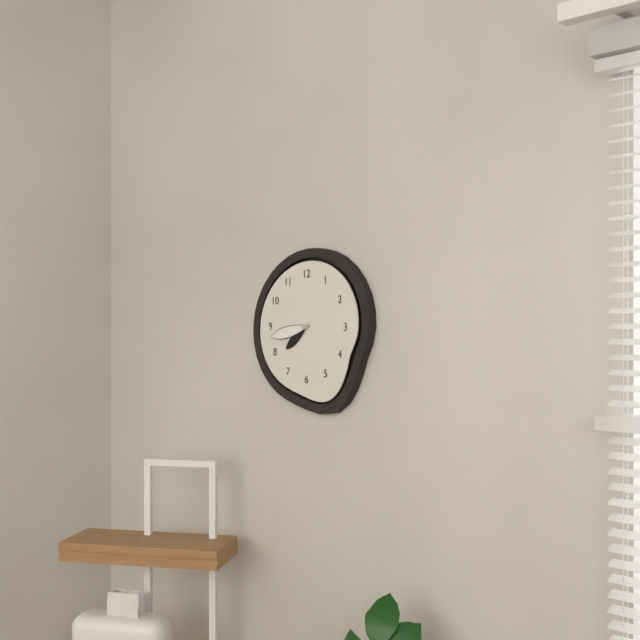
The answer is 7:43
